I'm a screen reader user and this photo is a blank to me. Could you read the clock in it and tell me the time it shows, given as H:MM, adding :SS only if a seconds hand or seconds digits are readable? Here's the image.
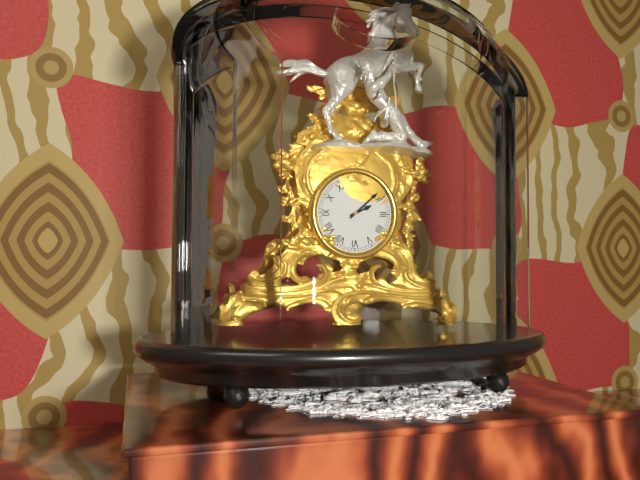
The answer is 2:08
